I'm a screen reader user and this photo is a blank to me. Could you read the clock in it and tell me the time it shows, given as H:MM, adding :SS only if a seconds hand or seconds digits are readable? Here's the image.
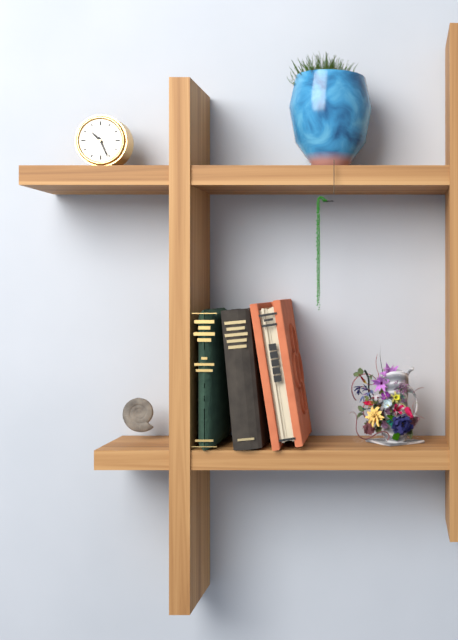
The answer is 10:26
